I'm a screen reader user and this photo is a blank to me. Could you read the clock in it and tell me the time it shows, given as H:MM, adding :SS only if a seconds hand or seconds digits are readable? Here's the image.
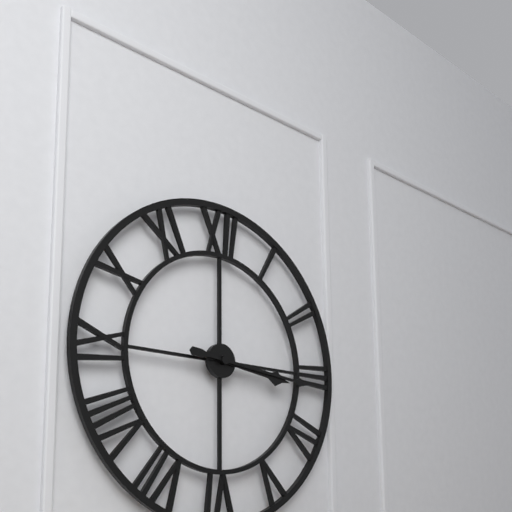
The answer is 3:16
